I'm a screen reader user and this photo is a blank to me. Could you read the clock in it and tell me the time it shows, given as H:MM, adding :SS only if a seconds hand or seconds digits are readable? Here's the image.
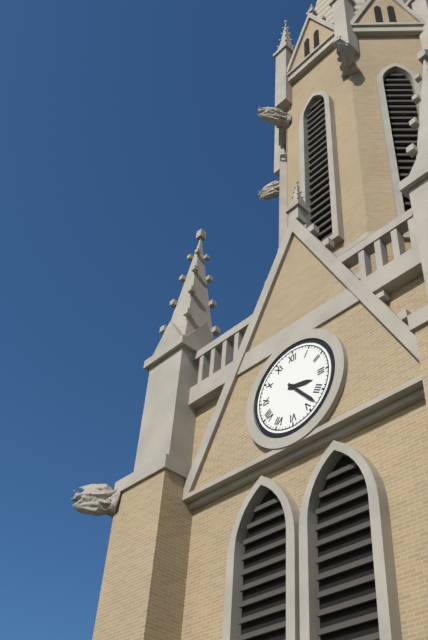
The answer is 3:23
